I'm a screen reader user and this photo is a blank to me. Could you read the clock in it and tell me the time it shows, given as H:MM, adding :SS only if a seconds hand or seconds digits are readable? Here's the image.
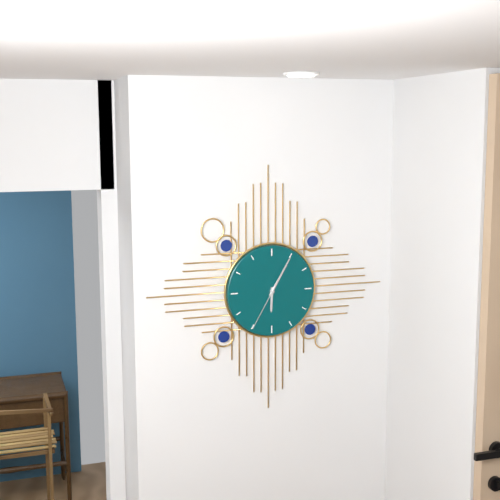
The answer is 6:05:35
